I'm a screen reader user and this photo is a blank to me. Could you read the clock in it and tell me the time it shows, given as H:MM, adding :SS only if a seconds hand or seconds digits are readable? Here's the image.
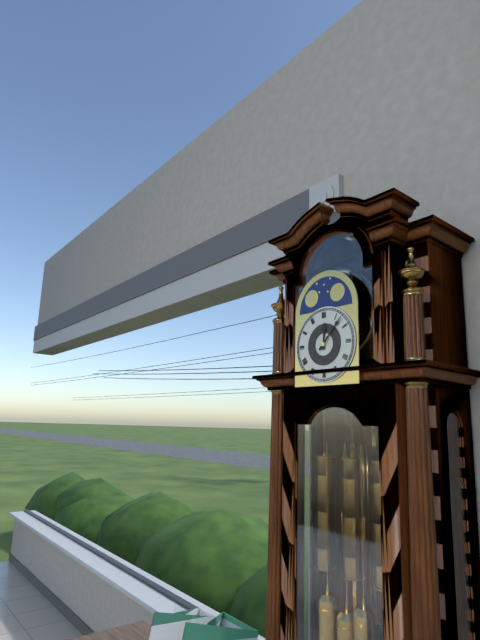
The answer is 12:07
